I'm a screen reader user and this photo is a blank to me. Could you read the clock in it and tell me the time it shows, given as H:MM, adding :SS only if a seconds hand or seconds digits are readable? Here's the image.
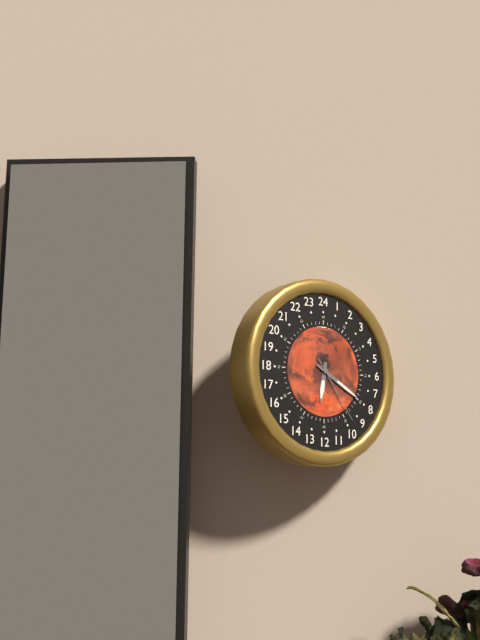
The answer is 6:20:24
